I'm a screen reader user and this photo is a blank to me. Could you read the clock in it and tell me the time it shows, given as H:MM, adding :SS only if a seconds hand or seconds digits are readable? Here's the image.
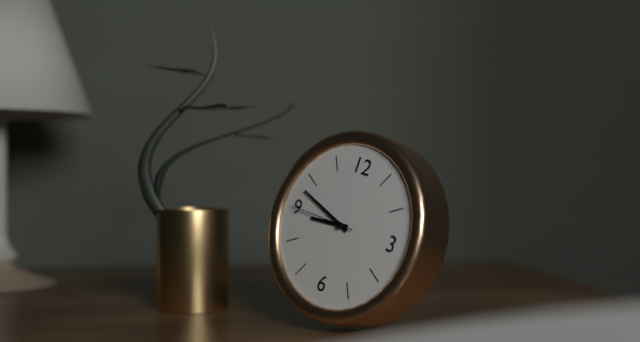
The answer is 8:48:45
